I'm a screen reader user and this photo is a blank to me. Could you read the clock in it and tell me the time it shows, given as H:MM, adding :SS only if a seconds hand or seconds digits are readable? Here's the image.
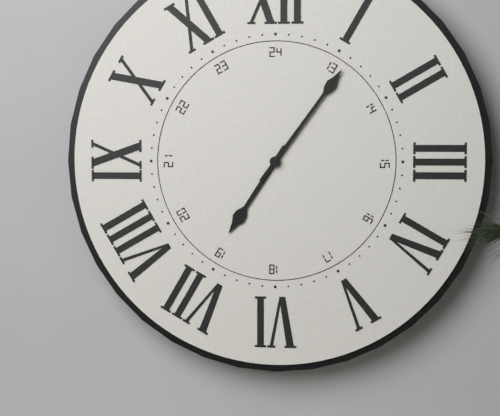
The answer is 7:06
